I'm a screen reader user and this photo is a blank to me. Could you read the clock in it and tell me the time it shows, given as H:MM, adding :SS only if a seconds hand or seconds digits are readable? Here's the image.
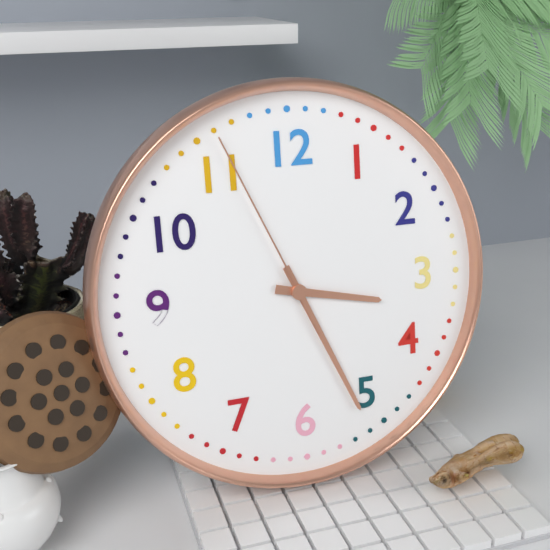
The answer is 3:26:56
